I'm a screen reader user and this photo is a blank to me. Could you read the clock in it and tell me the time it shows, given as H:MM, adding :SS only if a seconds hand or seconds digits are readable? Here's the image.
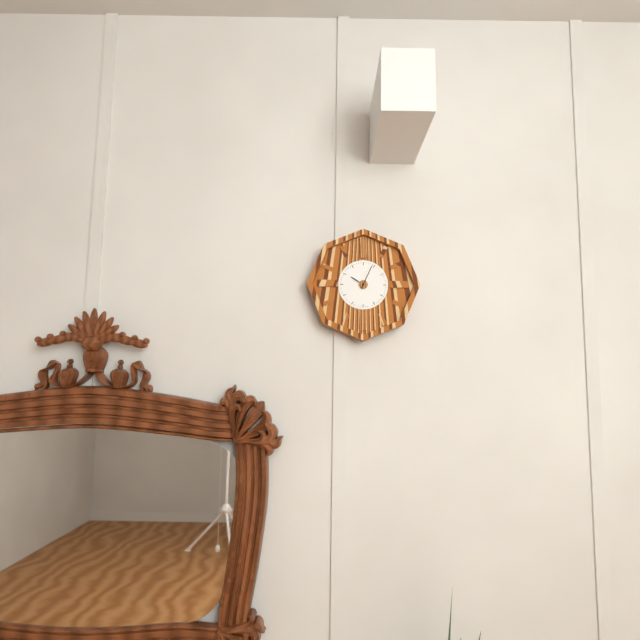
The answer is 10:04
